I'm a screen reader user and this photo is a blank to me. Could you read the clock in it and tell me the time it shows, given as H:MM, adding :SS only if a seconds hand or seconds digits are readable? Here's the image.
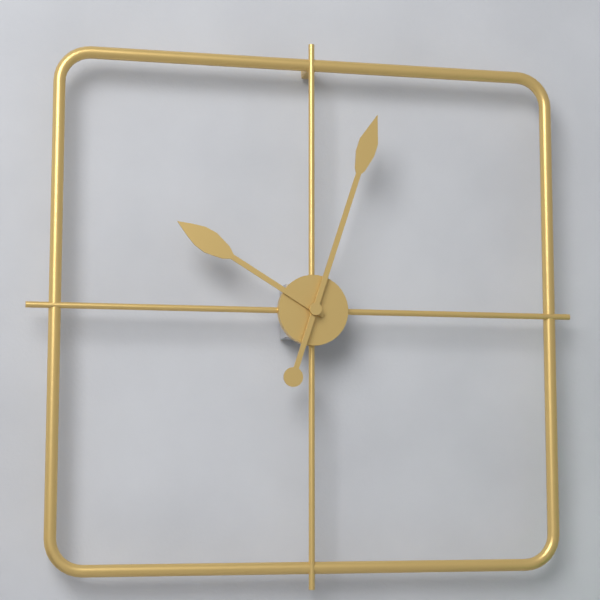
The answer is 10:03
